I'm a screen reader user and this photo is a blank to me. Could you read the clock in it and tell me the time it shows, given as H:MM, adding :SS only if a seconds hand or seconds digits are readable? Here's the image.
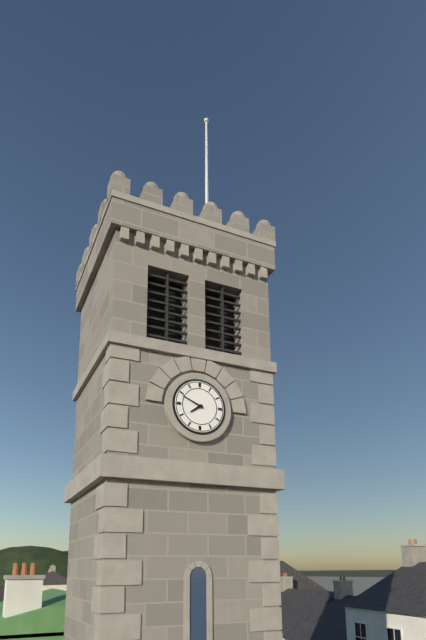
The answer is 7:49
